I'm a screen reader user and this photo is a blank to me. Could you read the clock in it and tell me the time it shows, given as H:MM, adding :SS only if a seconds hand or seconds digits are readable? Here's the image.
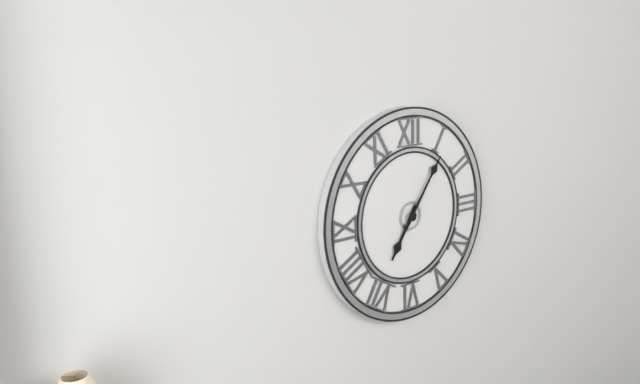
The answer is 7:06
